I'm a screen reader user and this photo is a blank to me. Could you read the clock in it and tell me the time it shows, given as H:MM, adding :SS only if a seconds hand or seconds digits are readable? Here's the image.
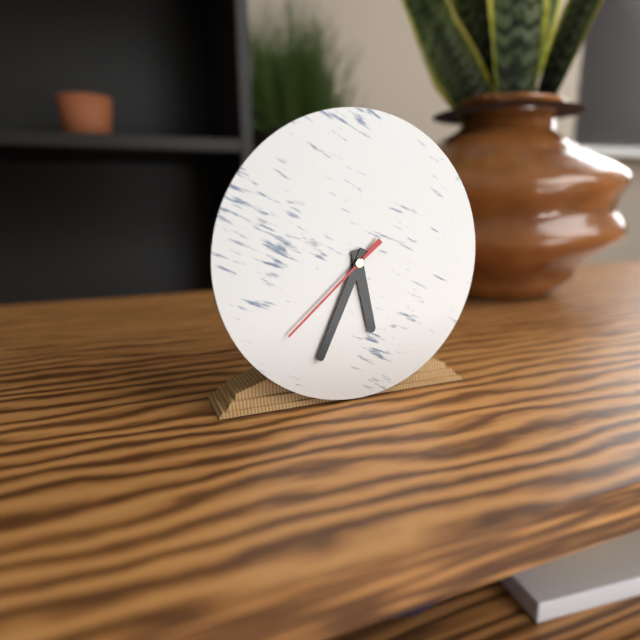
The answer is 5:34:38
